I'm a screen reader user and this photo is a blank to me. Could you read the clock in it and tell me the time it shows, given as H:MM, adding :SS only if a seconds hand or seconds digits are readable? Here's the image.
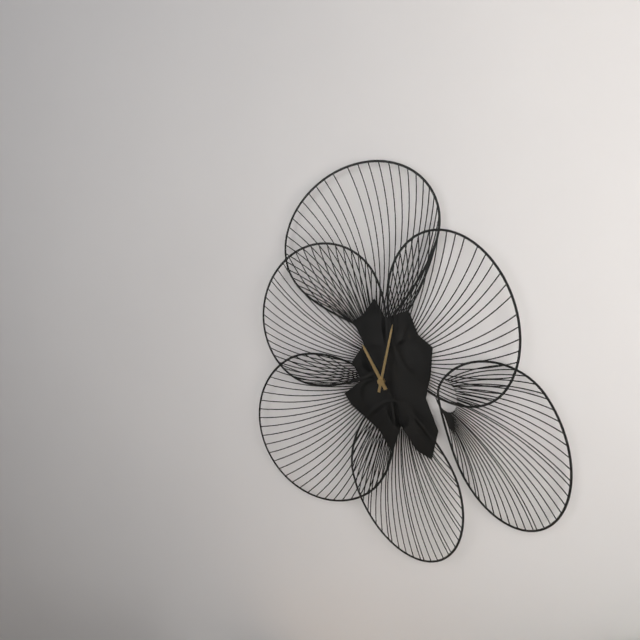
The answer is 11:02
